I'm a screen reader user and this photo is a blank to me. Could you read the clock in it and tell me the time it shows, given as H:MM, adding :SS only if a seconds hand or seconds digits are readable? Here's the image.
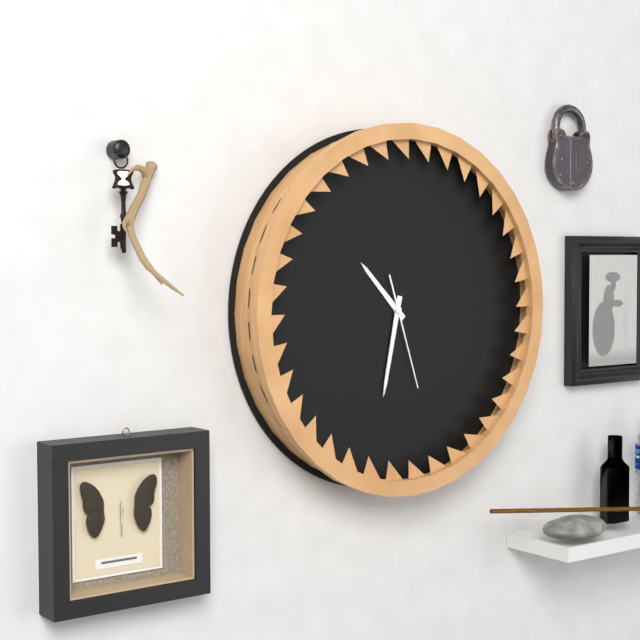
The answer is 10:32:27
